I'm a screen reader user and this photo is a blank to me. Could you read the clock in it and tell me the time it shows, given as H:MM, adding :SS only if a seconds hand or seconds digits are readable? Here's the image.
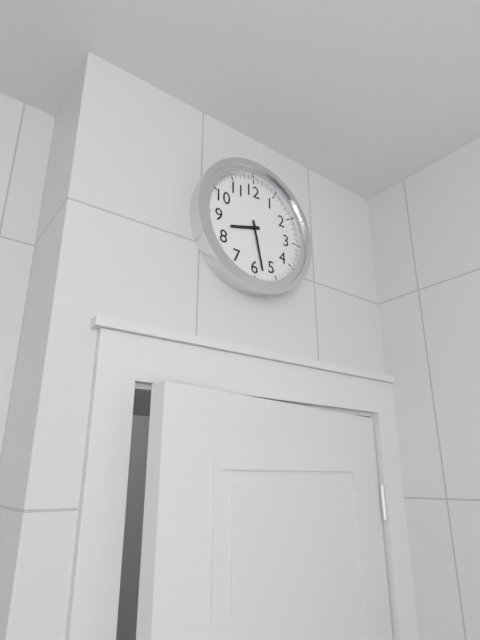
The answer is 8:28
